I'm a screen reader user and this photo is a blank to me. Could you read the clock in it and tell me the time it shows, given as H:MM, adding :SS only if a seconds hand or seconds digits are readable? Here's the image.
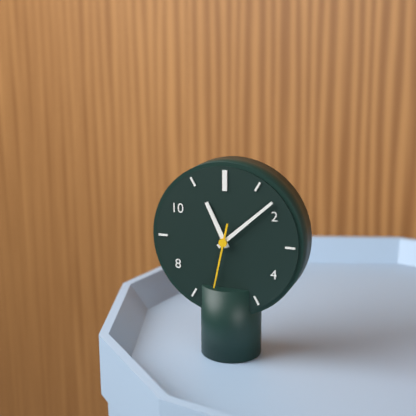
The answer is 11:08:32
